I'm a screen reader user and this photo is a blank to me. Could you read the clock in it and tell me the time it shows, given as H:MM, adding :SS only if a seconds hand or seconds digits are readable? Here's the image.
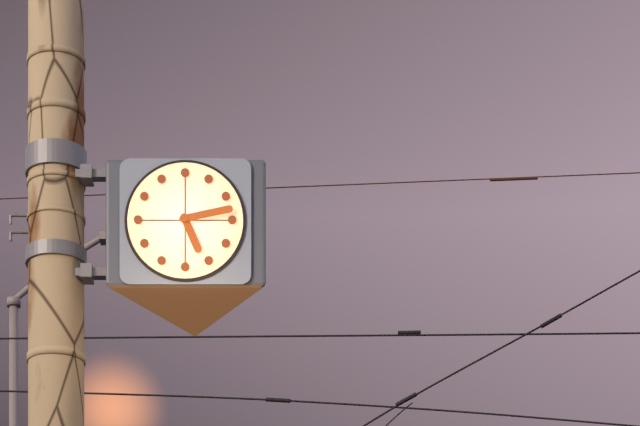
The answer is 5:13
